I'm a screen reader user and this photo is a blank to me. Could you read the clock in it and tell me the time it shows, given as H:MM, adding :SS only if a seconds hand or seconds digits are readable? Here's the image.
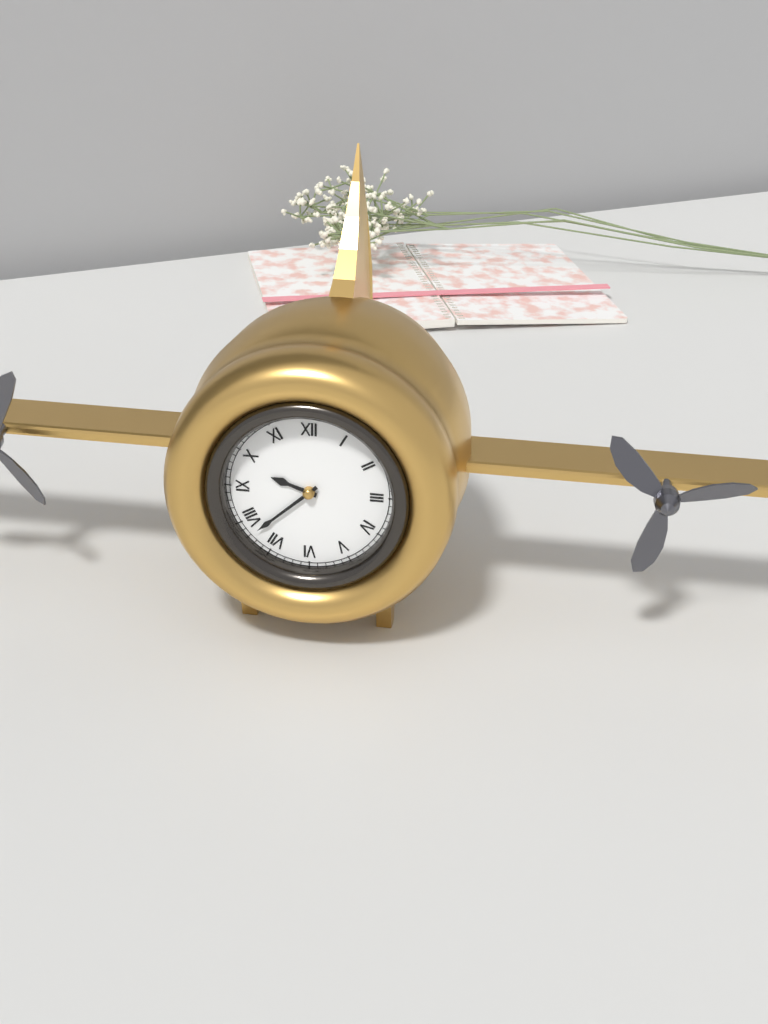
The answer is 9:38
